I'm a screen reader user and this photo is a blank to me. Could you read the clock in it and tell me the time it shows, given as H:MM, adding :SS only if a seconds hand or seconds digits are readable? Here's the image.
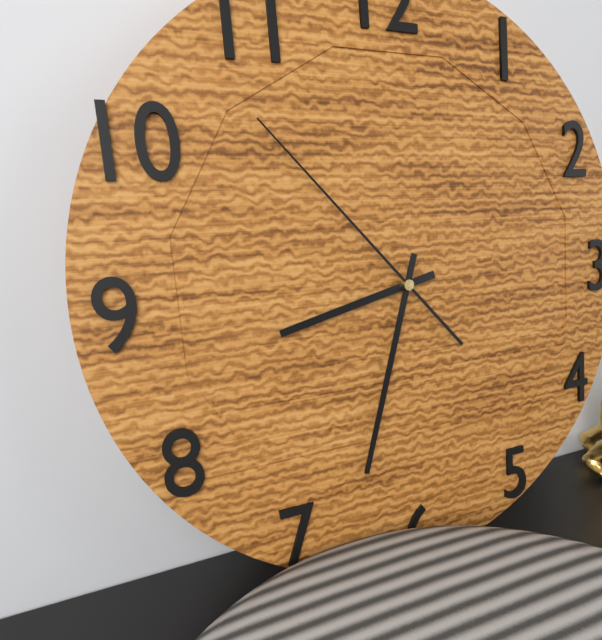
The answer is 8:33:53
